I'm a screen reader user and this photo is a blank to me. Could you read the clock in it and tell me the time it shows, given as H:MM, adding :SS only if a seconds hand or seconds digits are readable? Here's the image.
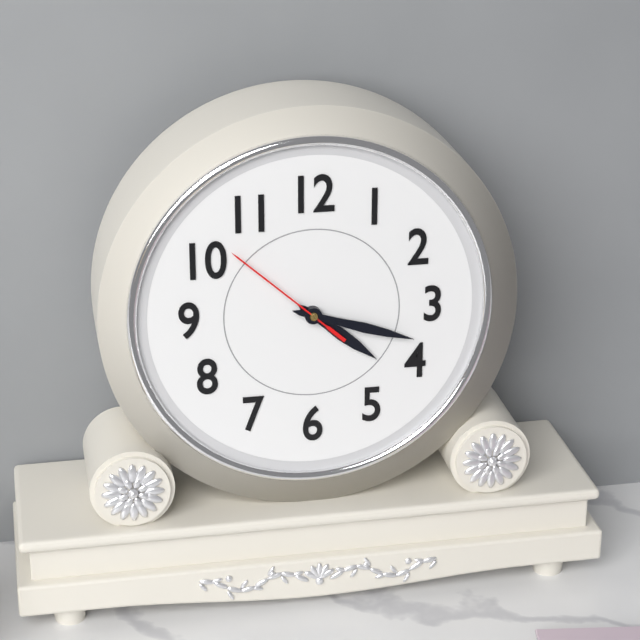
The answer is 4:18:52
